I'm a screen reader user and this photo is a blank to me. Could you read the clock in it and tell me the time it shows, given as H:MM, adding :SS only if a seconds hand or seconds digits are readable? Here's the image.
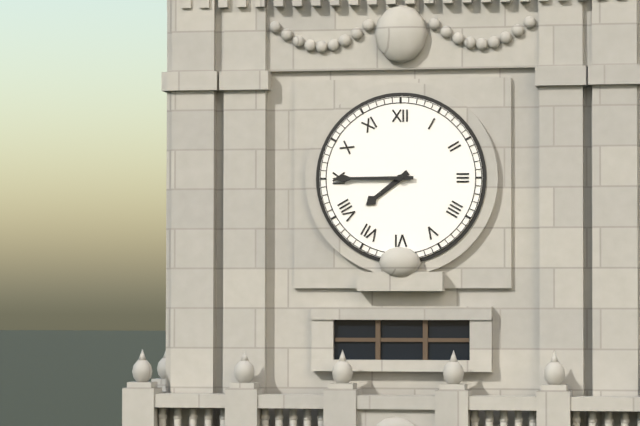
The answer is 7:45
